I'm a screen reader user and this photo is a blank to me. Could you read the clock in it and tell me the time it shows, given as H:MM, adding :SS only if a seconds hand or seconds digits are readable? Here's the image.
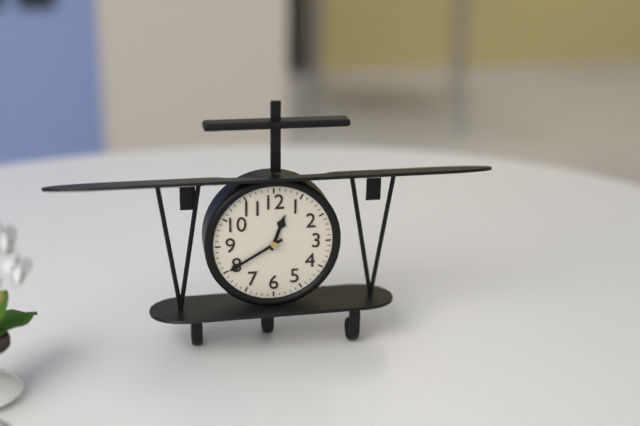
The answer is 12:40
